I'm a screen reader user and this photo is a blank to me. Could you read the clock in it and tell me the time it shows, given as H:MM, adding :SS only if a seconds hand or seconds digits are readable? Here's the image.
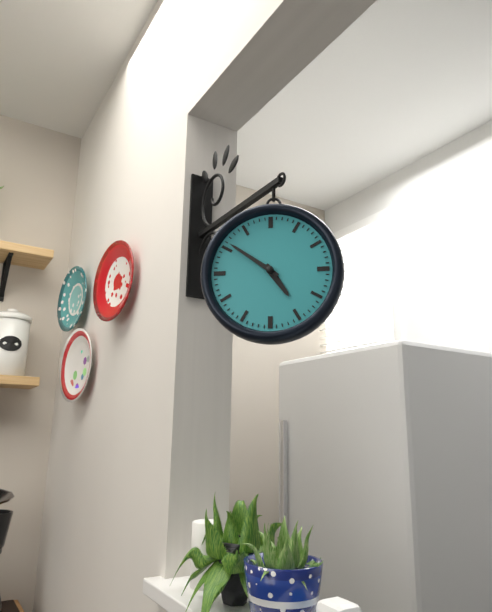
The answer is 4:51
